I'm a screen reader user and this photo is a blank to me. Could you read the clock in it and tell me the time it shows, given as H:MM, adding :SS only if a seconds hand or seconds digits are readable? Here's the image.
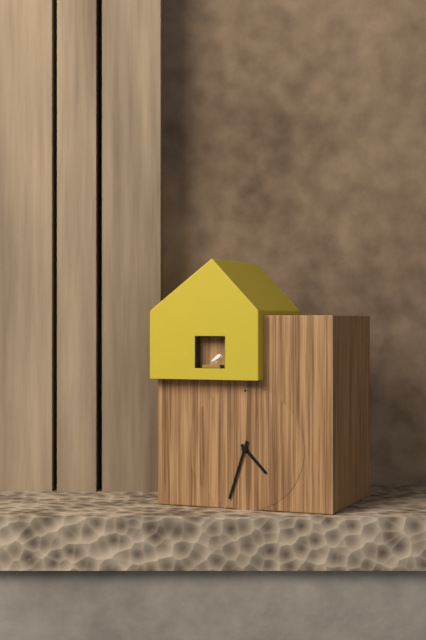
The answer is 4:33
